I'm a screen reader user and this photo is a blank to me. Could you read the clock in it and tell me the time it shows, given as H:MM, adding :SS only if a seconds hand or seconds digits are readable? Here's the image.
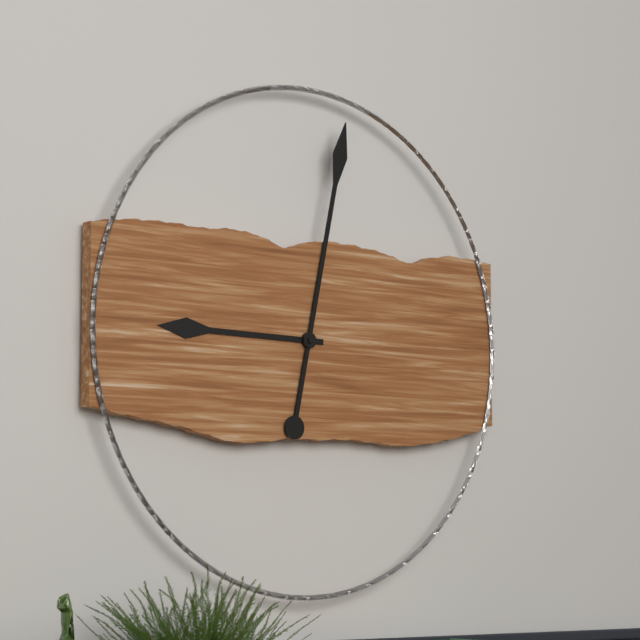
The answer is 9:02
